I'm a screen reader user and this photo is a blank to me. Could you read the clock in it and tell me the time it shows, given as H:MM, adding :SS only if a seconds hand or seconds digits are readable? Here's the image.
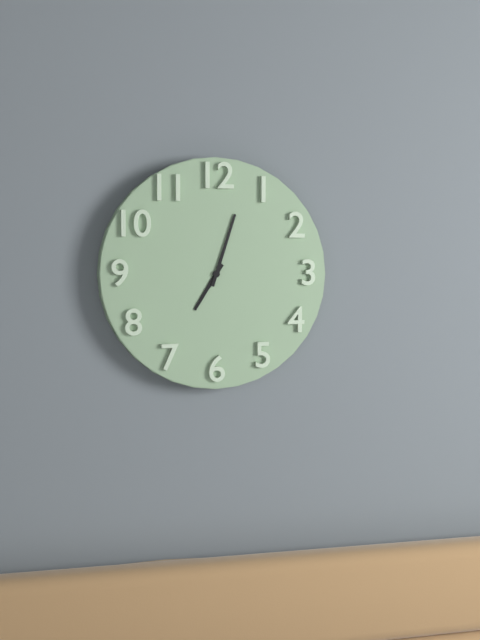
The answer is 7:03
